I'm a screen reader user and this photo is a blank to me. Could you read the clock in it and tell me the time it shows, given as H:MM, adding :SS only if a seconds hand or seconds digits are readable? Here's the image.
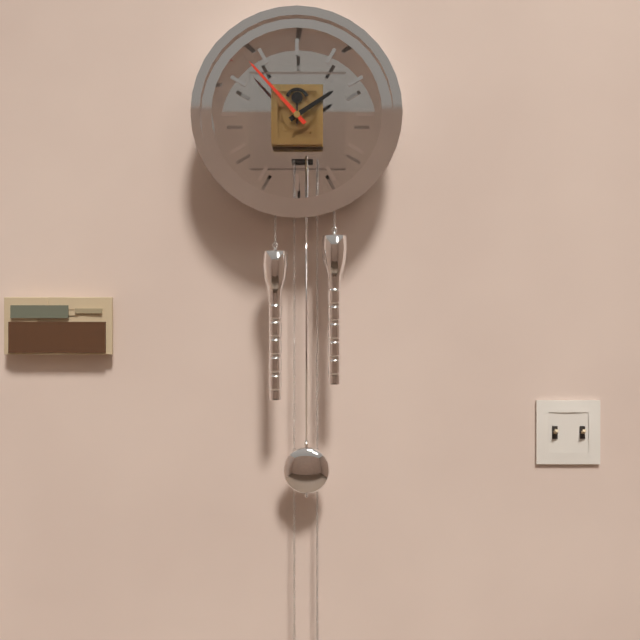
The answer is 1:53
